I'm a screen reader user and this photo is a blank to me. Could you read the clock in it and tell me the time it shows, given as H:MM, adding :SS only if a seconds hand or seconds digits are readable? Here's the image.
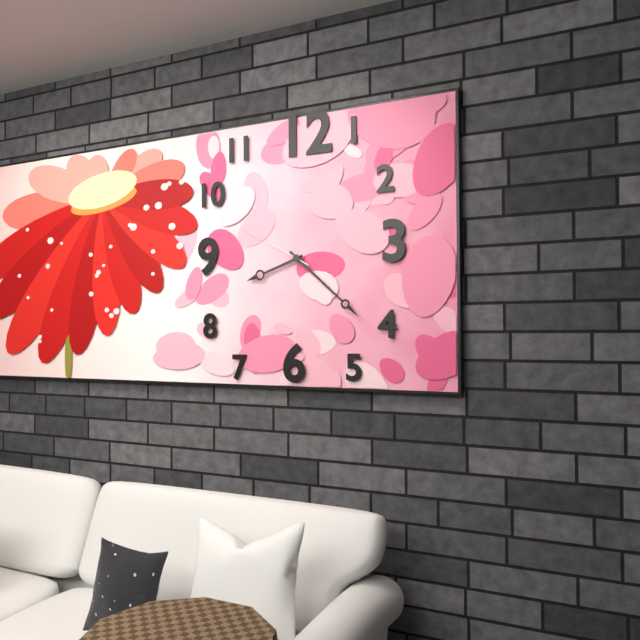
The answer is 8:22:50
